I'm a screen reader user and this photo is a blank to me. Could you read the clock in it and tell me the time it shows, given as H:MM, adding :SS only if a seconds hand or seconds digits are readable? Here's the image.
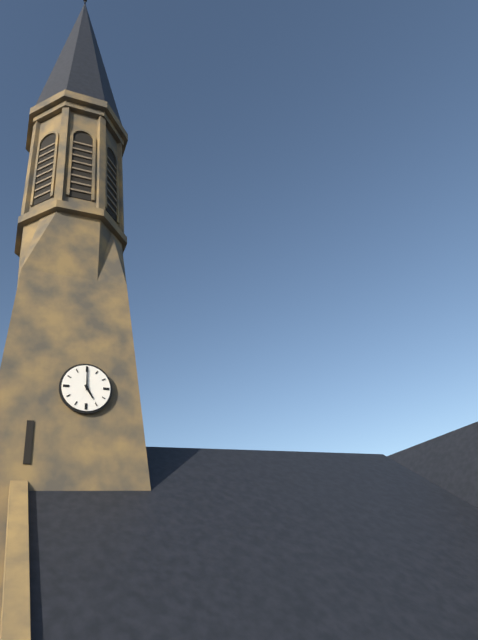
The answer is 5:00
